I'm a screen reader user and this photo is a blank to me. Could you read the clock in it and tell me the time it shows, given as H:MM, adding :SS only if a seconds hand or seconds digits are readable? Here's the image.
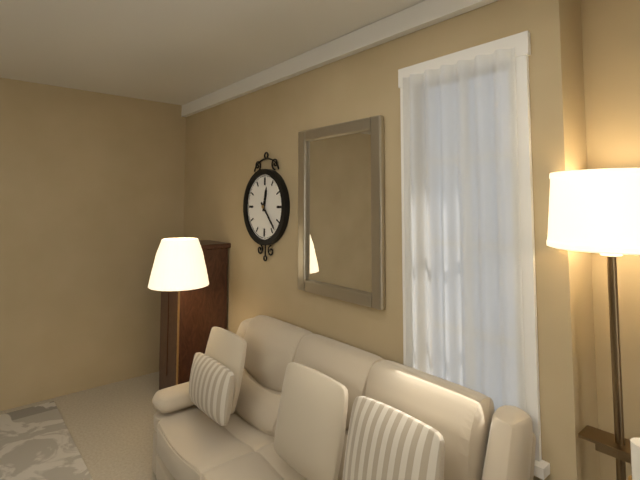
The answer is 12:23
